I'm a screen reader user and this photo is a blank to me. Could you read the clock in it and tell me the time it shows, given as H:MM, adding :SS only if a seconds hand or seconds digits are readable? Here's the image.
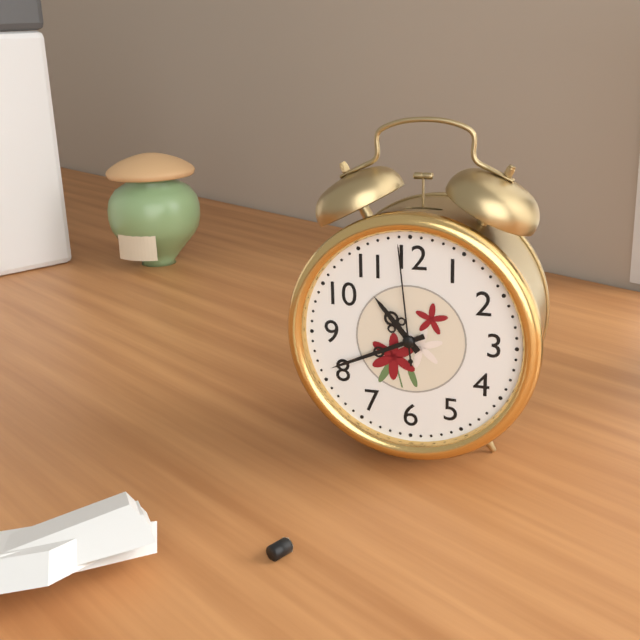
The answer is 10:41:59
